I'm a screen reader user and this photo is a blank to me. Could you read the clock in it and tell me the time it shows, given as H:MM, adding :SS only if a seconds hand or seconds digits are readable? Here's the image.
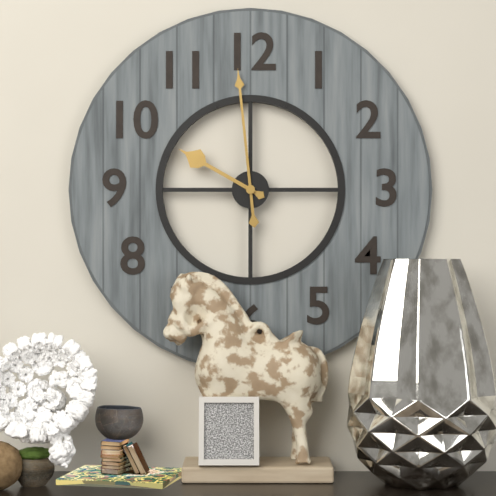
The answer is 9:59
